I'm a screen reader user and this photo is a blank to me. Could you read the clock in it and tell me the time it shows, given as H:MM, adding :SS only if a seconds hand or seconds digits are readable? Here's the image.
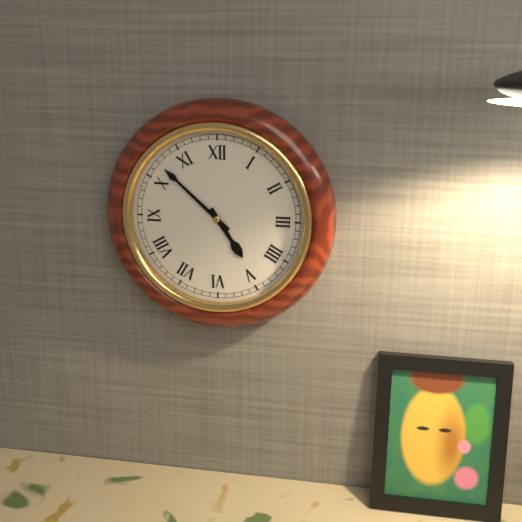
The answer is 4:52
